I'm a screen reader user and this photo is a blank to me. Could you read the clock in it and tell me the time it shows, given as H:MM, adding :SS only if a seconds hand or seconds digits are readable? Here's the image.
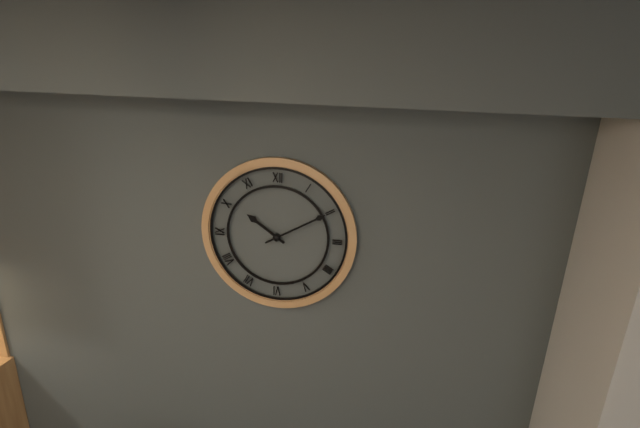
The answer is 10:10
